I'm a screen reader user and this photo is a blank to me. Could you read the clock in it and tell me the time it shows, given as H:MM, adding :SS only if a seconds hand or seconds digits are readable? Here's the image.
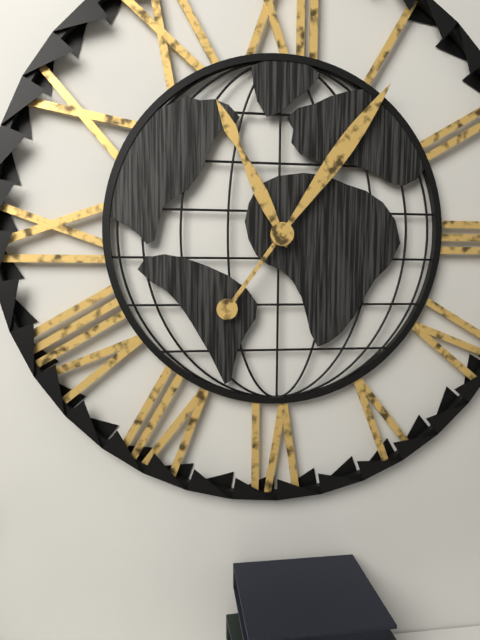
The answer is 11:06
